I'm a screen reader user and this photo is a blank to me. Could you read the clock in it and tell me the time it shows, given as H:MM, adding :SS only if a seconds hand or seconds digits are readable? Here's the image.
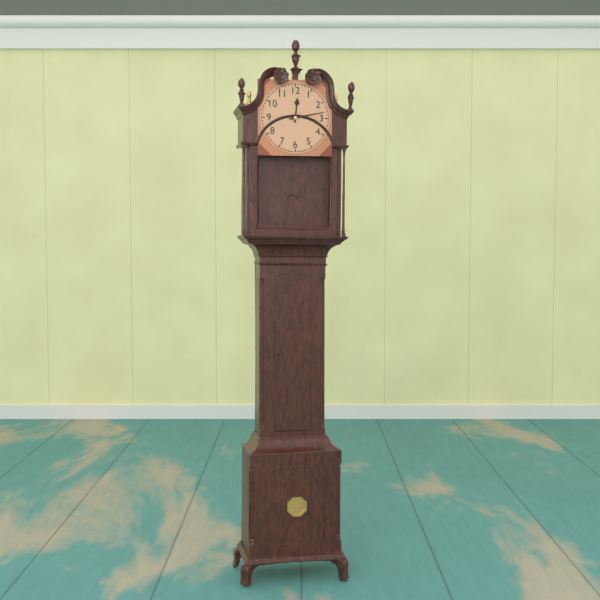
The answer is 12:13
